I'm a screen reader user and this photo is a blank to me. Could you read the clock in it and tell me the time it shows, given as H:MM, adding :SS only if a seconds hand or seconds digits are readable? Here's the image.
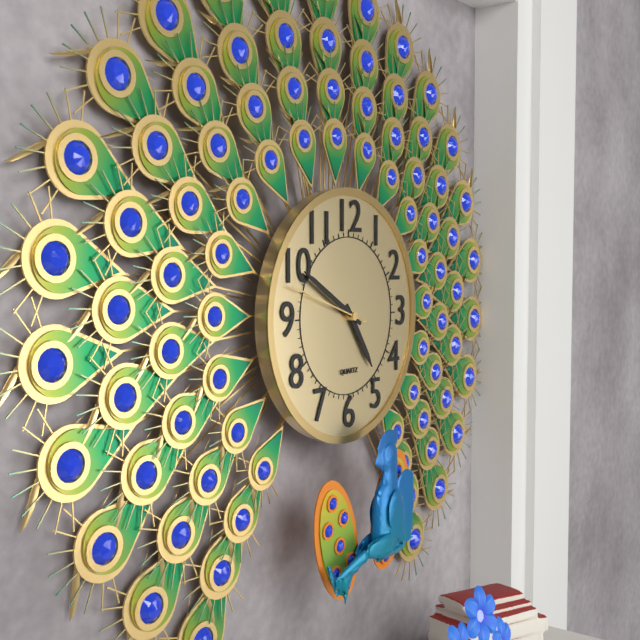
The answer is 4:50:48
